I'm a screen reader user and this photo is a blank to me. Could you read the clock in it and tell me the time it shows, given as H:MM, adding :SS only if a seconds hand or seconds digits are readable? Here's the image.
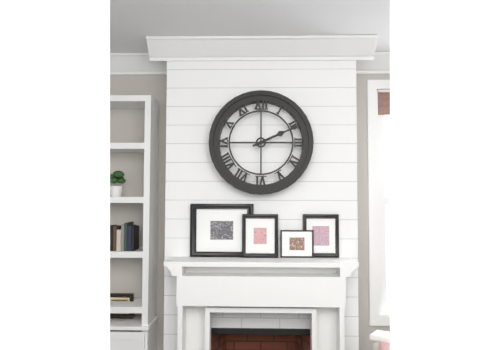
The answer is 2:11
